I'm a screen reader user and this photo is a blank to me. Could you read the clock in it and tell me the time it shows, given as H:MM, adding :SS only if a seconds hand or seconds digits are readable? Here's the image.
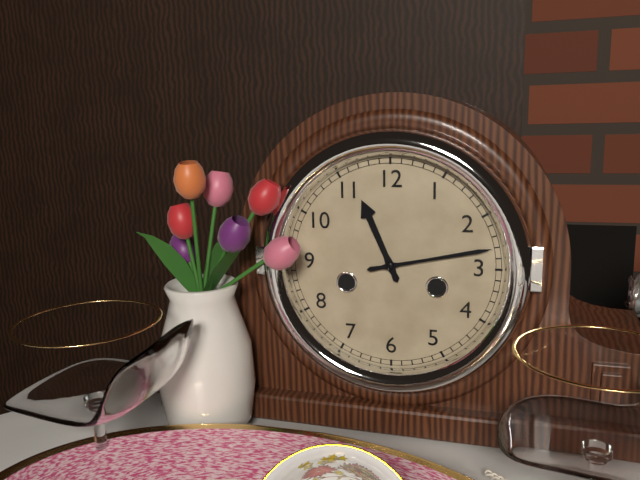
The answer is 11:13
